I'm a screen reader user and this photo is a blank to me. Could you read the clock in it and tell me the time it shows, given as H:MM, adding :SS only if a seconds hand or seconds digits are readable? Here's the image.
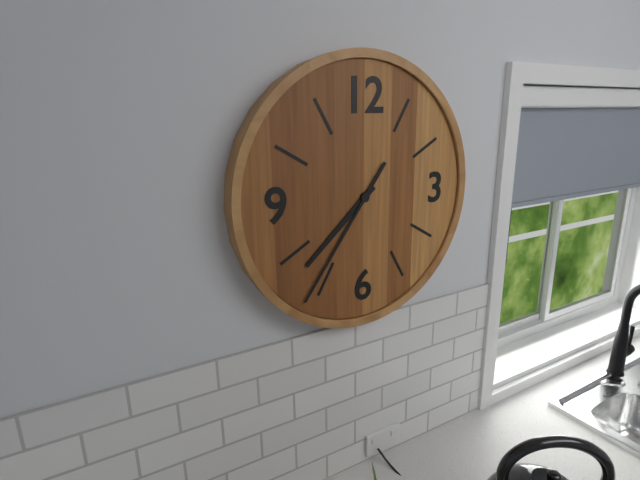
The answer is 7:36
